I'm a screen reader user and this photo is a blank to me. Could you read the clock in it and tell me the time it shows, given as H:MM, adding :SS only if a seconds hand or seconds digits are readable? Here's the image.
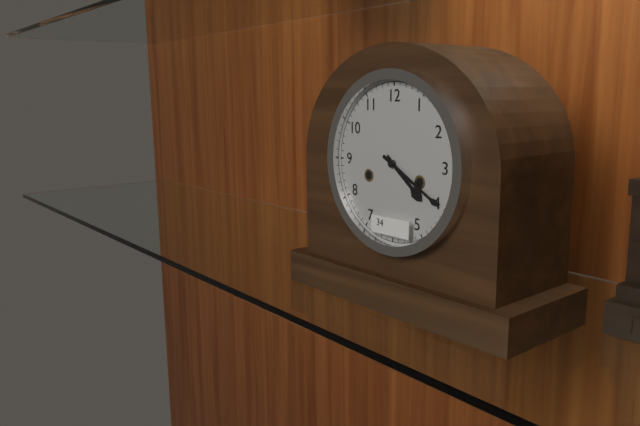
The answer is 4:20
